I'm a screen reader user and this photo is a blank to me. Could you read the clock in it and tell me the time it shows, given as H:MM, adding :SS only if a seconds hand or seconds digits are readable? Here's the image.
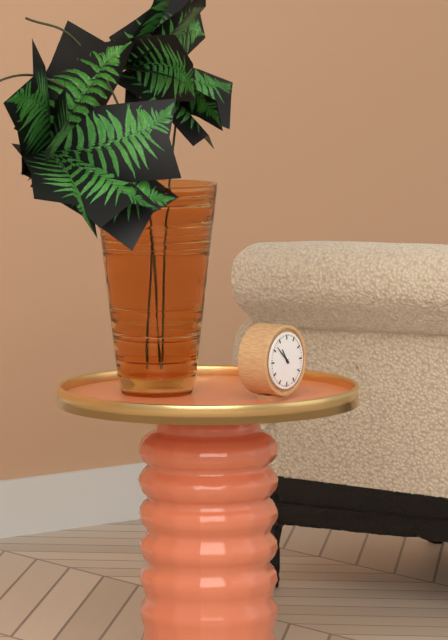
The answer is 10:52
